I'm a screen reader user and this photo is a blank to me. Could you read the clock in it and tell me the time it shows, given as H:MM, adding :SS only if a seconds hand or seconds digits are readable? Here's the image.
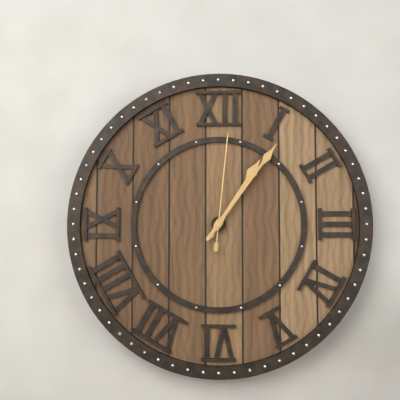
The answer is 1:06:01
